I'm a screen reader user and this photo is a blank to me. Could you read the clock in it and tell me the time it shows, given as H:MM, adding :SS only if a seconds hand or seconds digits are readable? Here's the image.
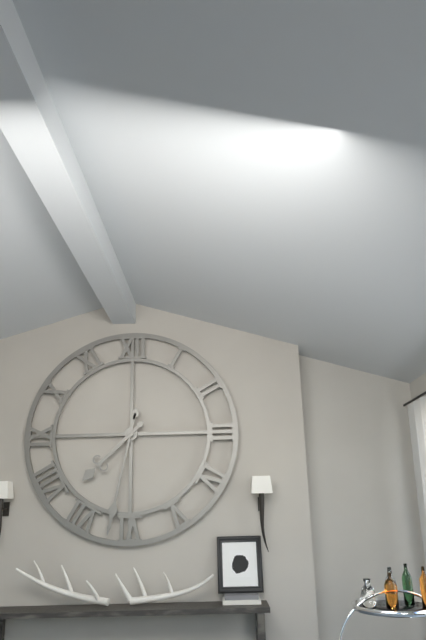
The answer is 7:32
